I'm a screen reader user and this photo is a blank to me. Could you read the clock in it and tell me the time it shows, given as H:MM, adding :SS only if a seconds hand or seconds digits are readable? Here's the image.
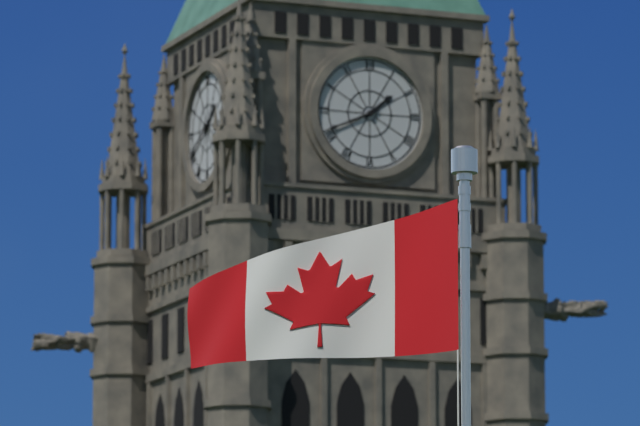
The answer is 1:41
